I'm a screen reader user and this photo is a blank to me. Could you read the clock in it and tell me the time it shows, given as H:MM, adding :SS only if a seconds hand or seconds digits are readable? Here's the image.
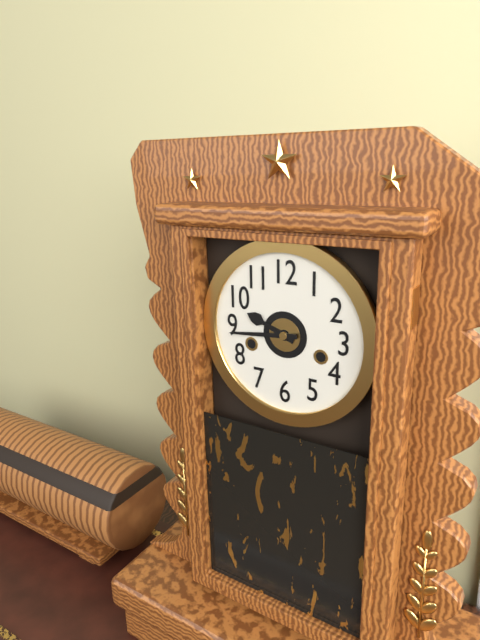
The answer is 9:44
